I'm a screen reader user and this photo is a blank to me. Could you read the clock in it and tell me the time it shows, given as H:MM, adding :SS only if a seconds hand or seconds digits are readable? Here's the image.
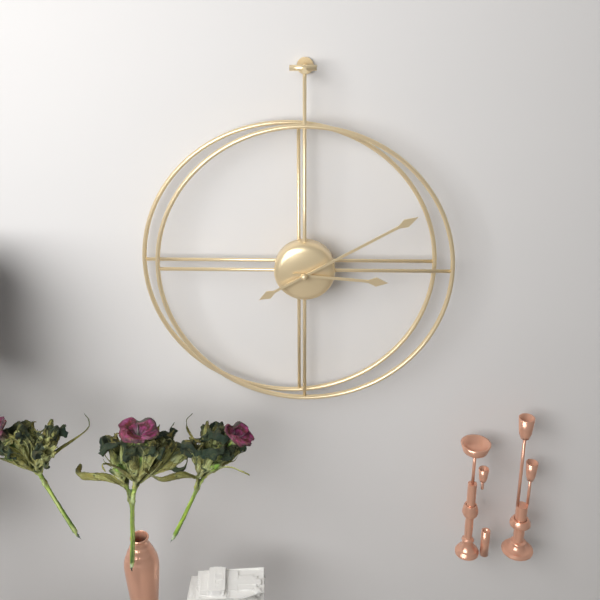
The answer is 3:10
